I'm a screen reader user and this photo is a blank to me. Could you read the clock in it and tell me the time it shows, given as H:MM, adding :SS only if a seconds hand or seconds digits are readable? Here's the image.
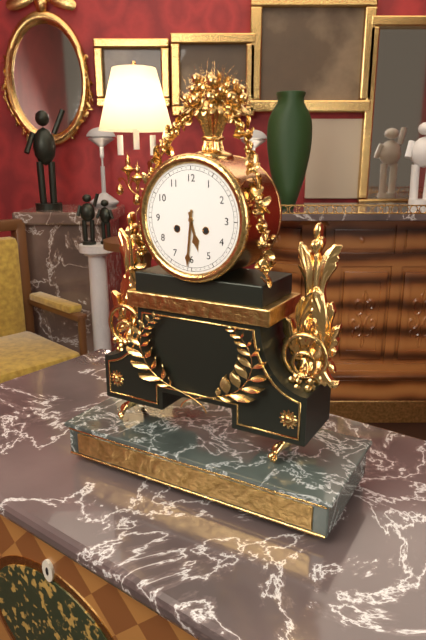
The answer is 5:31
